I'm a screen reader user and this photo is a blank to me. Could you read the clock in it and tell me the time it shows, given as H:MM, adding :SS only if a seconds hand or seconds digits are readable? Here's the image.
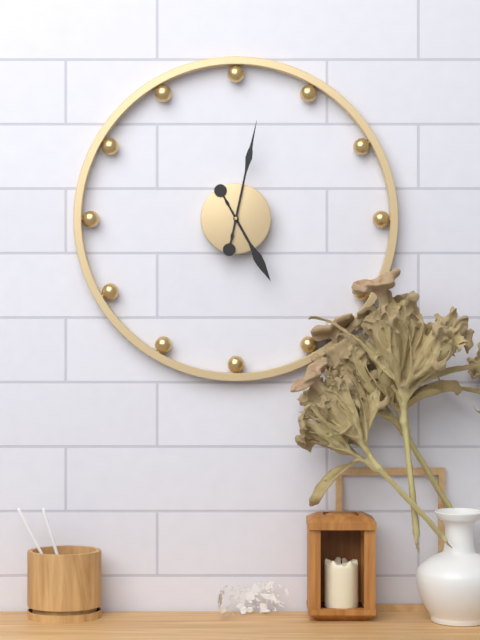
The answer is 5:02
